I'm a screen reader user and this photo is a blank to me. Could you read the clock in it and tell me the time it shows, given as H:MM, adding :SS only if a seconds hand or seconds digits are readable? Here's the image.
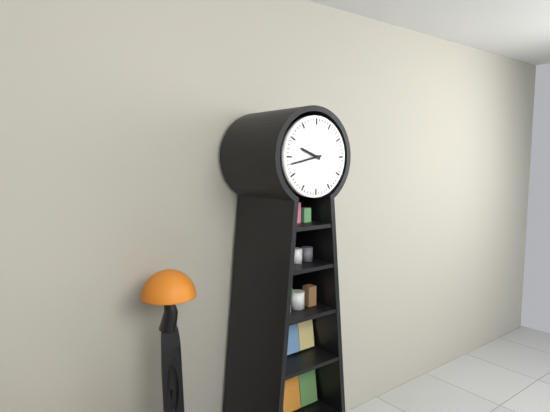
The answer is 9:43
